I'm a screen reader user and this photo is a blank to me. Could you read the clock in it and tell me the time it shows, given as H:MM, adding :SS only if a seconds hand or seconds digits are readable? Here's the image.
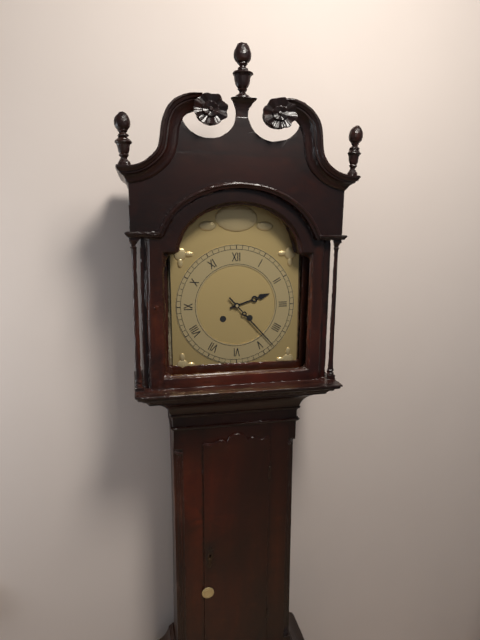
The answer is 2:23
